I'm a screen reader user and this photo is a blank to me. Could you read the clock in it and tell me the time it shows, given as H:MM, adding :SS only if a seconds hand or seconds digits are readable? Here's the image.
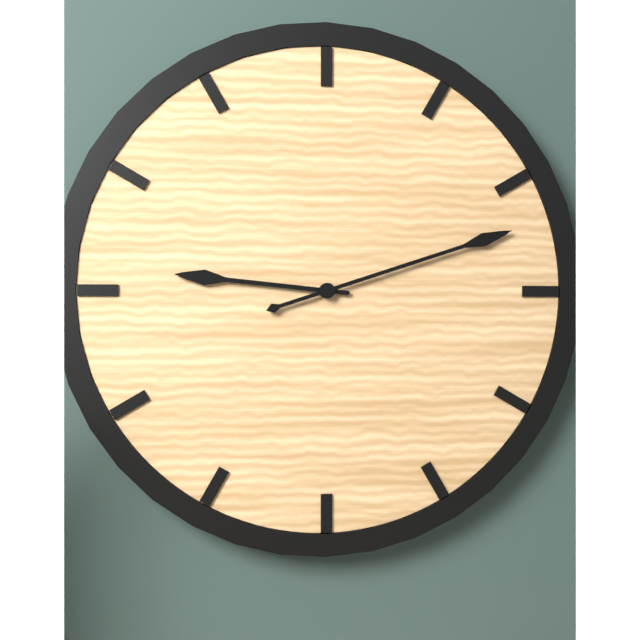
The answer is 9:12
